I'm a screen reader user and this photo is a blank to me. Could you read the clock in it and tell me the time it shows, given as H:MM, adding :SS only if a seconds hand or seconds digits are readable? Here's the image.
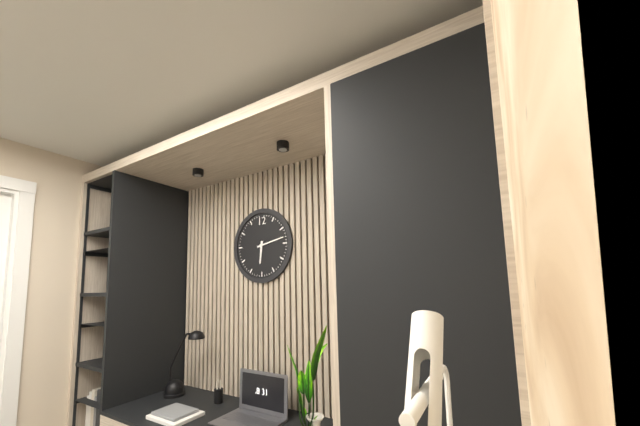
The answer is 6:13
